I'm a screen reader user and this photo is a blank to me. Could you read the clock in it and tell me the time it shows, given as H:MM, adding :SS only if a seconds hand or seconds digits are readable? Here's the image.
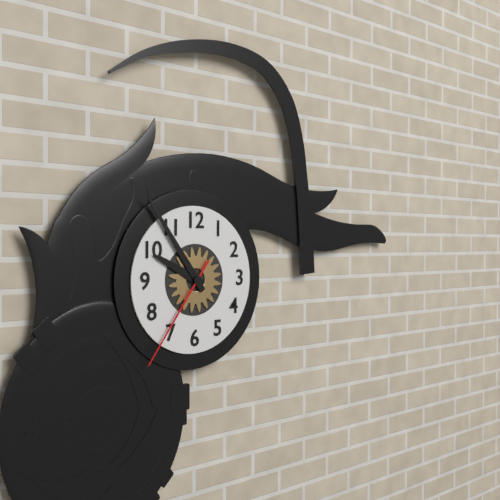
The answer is 9:54:36
